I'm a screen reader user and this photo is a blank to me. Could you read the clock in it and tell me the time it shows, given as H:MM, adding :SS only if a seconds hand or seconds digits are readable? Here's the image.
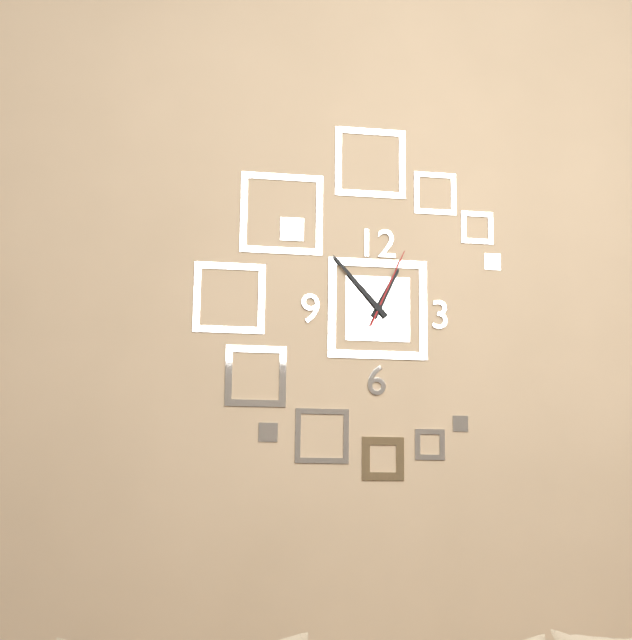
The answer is 12:53:04
